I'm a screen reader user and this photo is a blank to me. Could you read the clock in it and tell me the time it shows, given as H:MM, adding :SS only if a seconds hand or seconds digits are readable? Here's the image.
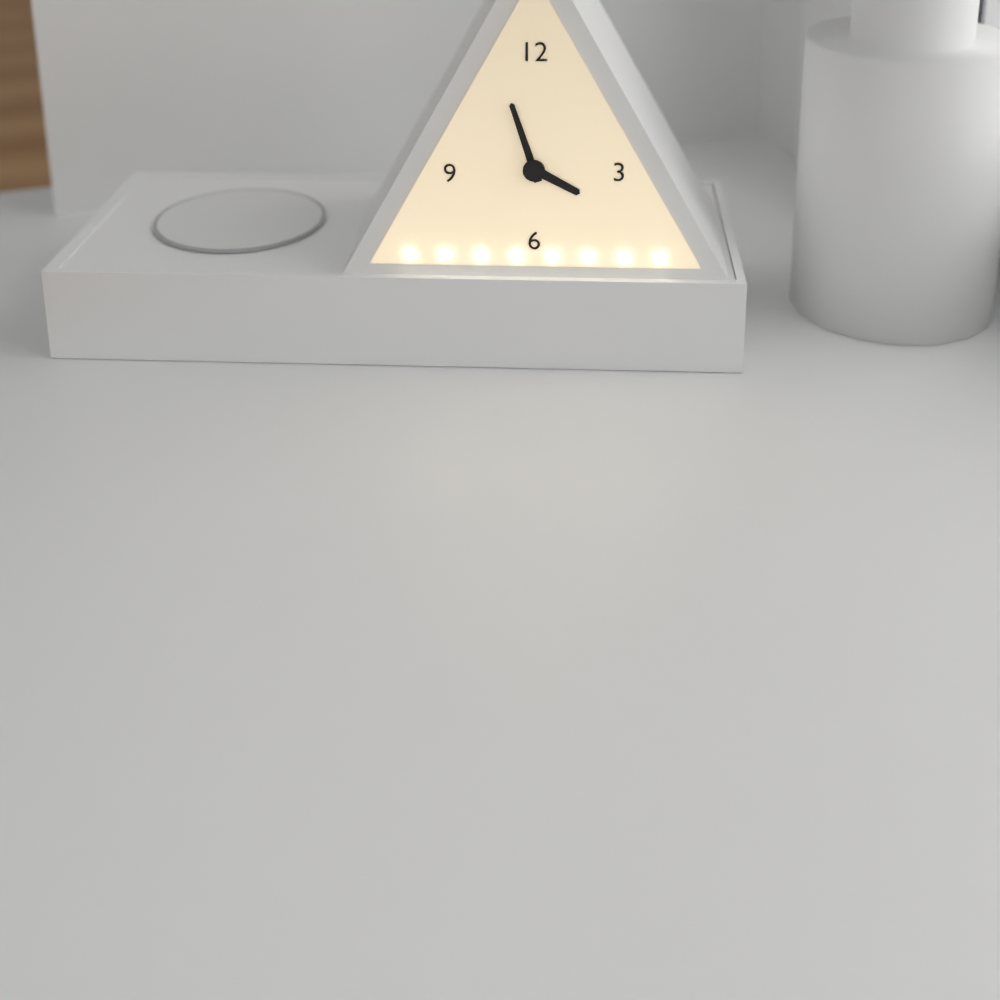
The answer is 3:57
